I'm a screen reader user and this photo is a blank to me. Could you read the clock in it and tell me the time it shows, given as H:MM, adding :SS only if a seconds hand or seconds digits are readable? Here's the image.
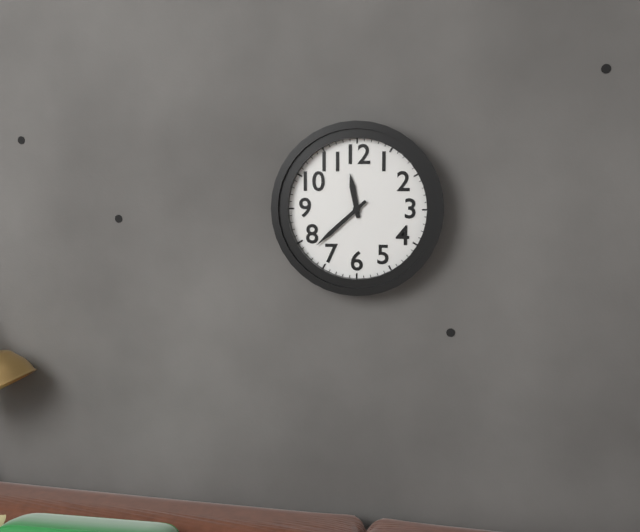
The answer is 11:38
